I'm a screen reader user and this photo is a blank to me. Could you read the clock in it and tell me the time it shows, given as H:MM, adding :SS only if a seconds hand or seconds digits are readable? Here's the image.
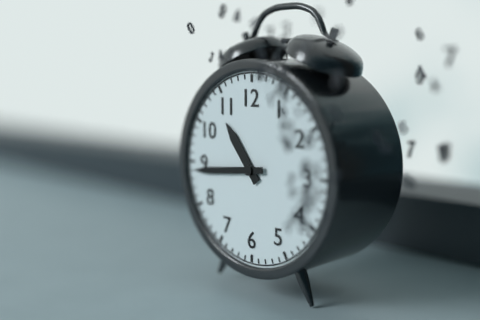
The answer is 10:44
